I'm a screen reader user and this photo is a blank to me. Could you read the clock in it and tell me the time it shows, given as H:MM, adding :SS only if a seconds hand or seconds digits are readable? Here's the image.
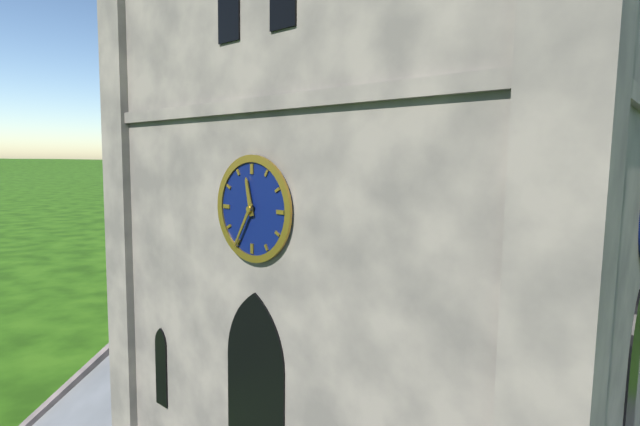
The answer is 11:35
